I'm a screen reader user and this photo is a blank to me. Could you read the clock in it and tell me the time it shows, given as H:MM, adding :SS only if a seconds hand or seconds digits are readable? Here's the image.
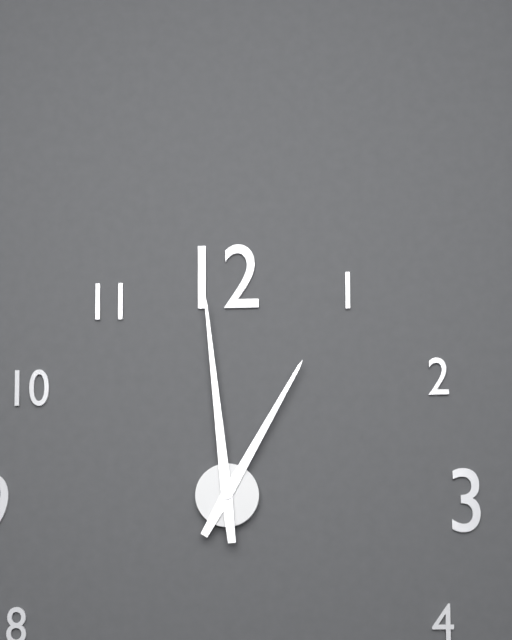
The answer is 12:59
